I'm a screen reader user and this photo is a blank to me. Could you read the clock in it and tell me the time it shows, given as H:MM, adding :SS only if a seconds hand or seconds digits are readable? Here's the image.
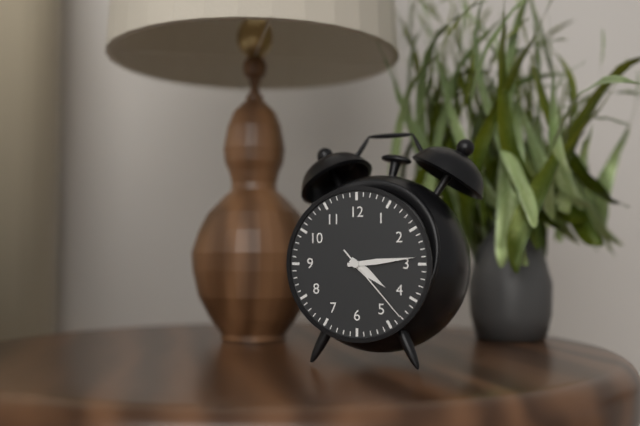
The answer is 4:14:23
